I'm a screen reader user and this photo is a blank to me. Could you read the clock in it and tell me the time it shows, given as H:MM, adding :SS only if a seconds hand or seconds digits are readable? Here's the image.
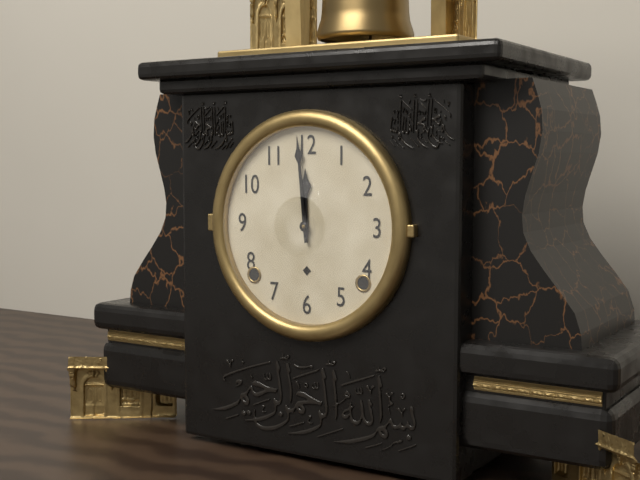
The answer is 11:59
